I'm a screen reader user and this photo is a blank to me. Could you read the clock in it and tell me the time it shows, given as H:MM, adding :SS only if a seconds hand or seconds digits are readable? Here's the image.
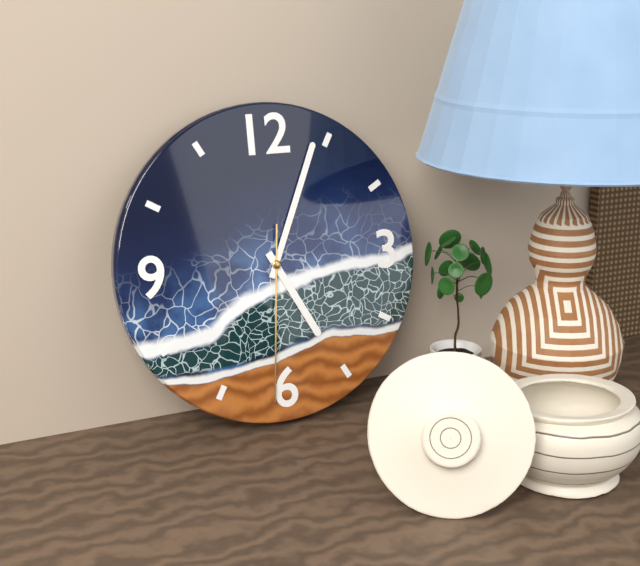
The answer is 5:04:31
